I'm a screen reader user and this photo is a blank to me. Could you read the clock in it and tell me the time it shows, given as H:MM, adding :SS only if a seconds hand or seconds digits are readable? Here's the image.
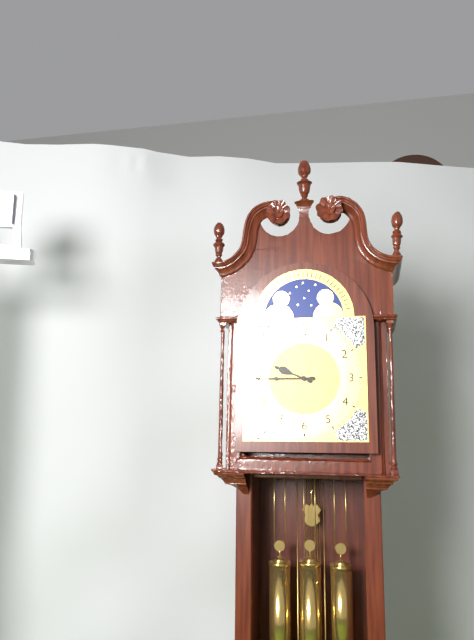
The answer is 9:45
